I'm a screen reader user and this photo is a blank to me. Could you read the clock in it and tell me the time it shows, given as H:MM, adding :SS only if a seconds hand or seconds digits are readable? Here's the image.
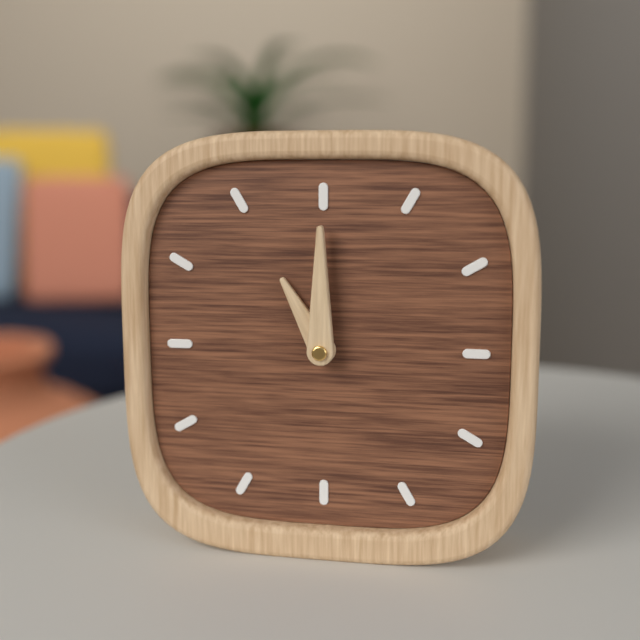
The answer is 11:00
